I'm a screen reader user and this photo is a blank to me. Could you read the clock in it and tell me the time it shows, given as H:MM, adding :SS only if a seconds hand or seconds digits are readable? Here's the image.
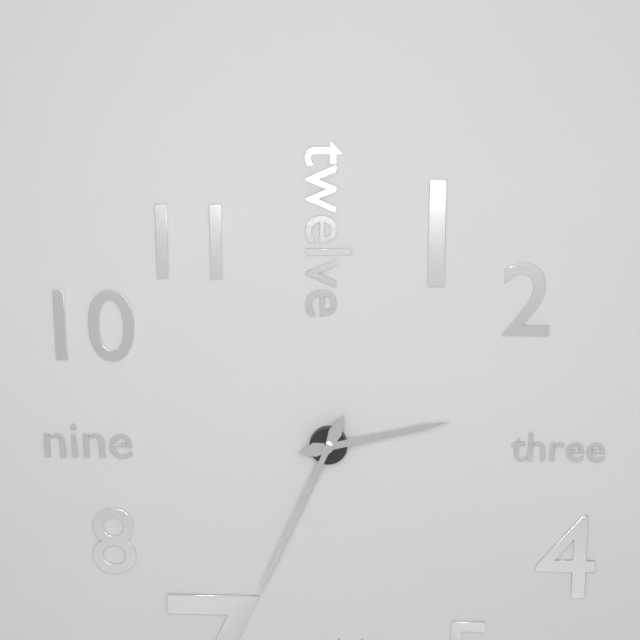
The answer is 2:34
